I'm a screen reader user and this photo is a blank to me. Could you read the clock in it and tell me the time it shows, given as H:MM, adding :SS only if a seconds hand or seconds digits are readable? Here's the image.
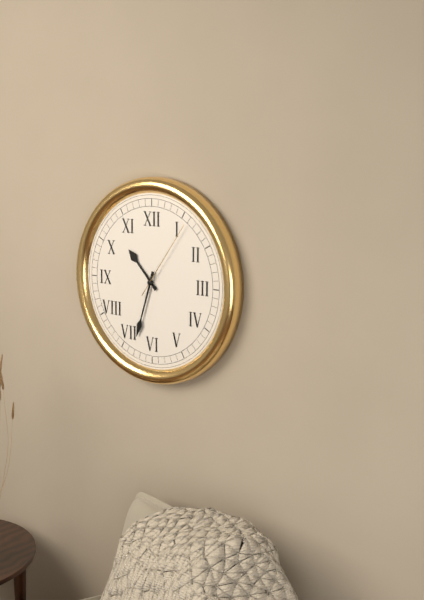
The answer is 10:33:06
